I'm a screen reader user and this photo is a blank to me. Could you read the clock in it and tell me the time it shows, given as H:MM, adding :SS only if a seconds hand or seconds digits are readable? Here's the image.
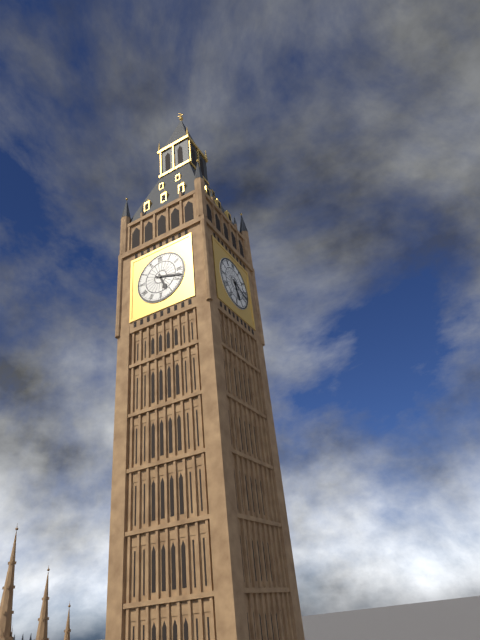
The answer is 5:18
